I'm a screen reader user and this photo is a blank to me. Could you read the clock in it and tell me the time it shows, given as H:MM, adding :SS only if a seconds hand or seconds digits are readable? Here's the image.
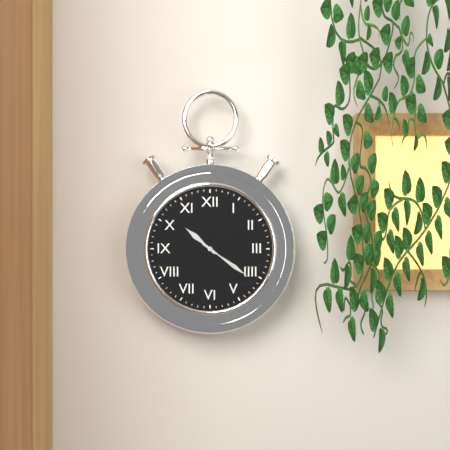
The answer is 10:21
